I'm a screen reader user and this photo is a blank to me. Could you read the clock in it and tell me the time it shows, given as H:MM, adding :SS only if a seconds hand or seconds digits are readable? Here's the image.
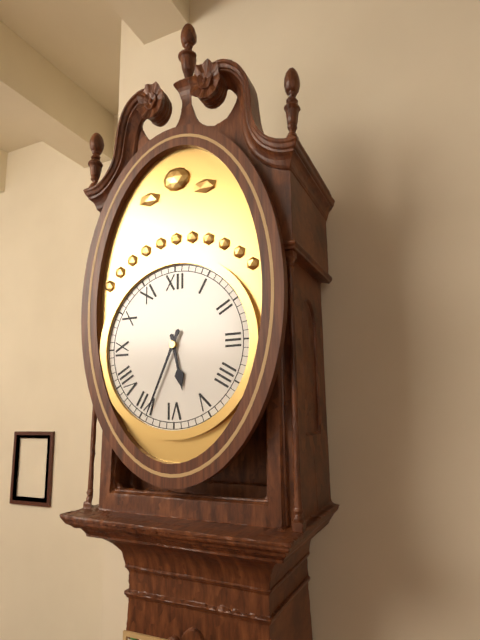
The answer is 5:34
